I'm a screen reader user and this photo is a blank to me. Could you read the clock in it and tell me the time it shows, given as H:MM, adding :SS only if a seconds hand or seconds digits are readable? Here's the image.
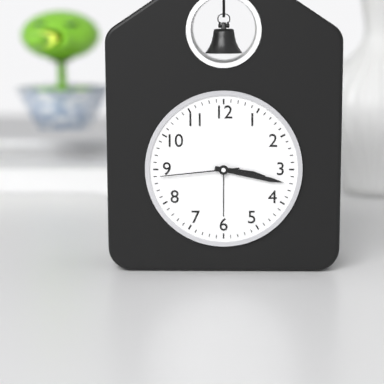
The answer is 3:17:44
